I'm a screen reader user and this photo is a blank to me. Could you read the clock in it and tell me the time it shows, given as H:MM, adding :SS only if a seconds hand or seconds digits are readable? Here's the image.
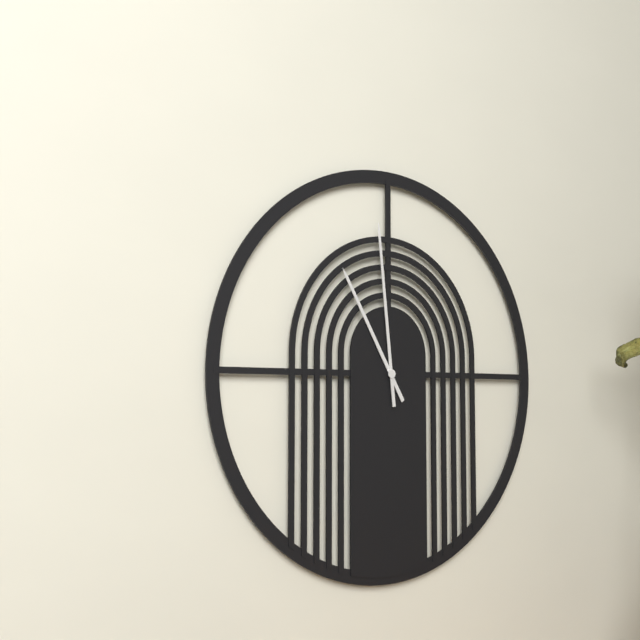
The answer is 10:59
